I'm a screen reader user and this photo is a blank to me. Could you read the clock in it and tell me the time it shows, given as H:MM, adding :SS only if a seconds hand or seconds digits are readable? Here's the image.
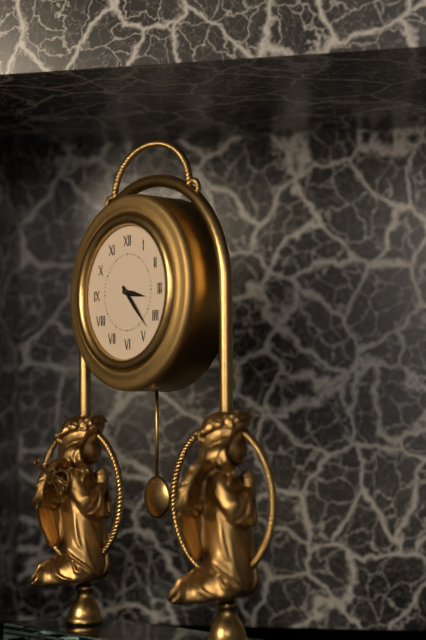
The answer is 3:23
